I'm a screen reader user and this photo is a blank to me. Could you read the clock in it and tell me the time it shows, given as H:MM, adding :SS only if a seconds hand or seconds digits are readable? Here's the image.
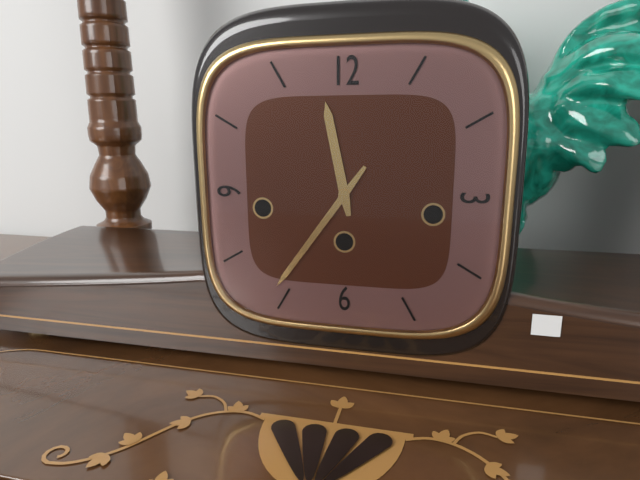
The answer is 11:36
